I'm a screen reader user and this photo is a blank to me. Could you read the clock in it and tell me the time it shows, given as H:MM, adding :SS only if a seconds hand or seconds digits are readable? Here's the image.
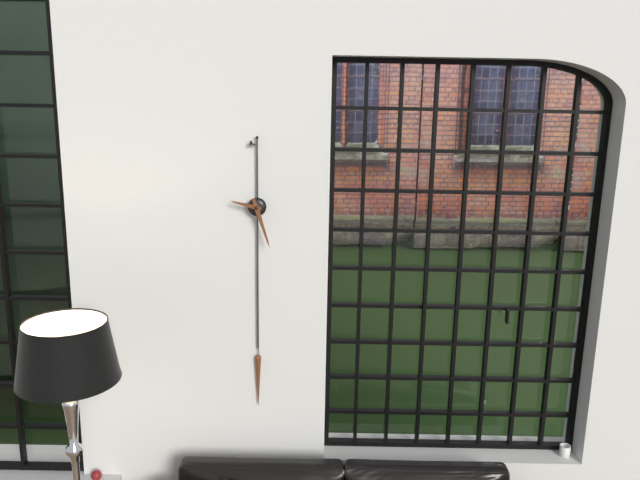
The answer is 9:27
